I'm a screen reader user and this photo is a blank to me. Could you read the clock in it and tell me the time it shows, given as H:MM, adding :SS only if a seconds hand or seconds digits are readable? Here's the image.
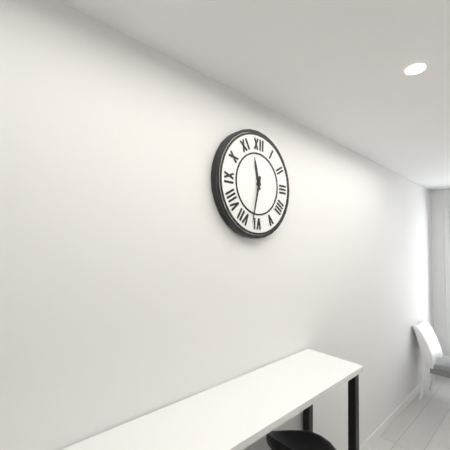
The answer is 11:32
